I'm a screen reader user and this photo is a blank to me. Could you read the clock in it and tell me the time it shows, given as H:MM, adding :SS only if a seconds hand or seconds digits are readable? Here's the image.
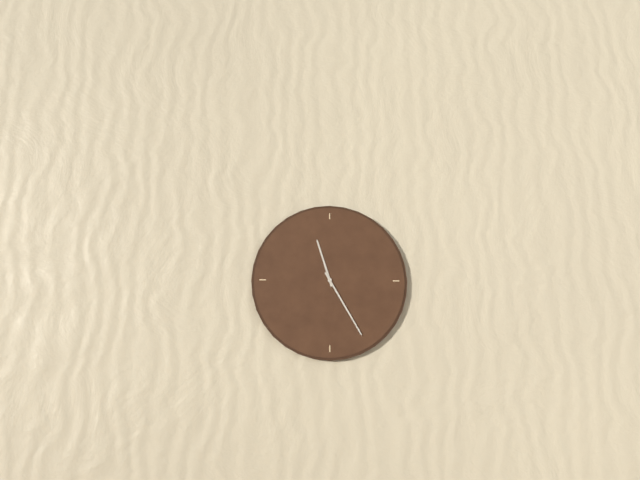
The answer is 11:25
